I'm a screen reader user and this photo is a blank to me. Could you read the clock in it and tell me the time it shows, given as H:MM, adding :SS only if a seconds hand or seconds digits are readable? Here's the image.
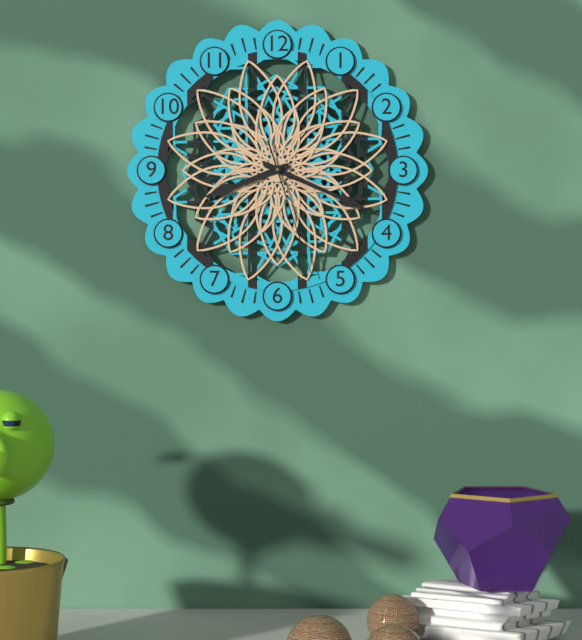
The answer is 8:19:27
